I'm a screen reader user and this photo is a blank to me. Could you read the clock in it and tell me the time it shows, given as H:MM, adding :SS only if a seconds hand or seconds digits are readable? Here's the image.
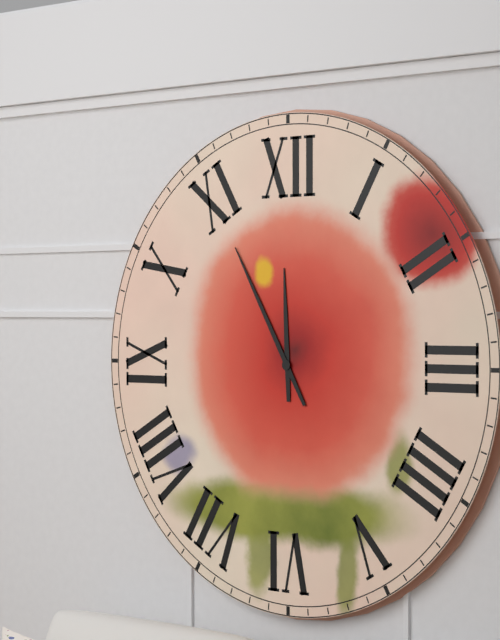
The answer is 11:55
